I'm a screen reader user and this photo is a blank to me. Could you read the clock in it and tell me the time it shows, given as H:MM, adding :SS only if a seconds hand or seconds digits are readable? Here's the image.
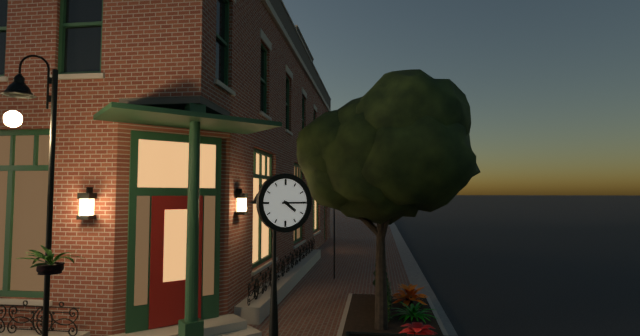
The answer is 4:15
